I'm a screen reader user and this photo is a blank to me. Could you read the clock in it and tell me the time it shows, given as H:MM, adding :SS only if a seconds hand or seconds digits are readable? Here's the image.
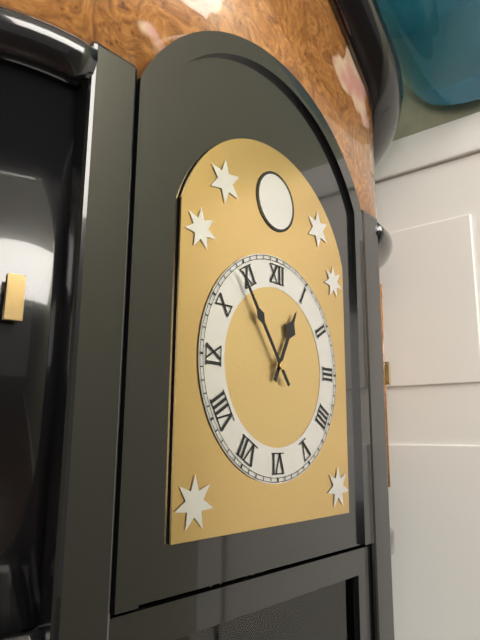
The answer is 12:54
